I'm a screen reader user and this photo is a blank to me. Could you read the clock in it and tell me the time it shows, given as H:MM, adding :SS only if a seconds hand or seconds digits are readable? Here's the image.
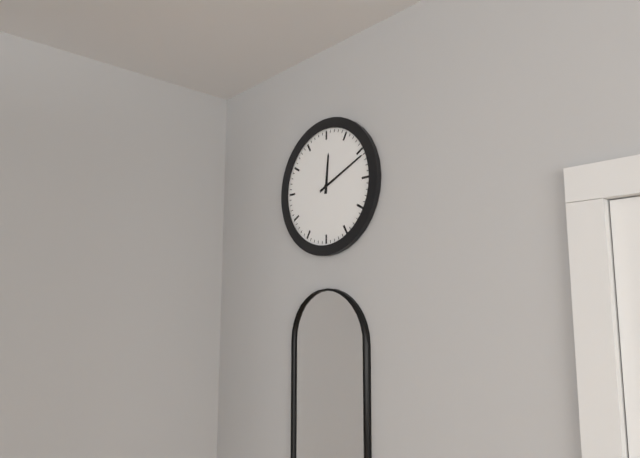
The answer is 12:11
